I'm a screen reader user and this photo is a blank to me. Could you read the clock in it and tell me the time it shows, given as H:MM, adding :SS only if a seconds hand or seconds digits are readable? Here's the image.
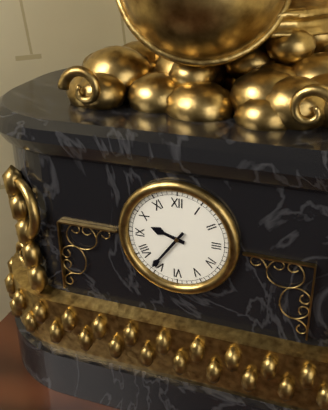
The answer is 9:36
